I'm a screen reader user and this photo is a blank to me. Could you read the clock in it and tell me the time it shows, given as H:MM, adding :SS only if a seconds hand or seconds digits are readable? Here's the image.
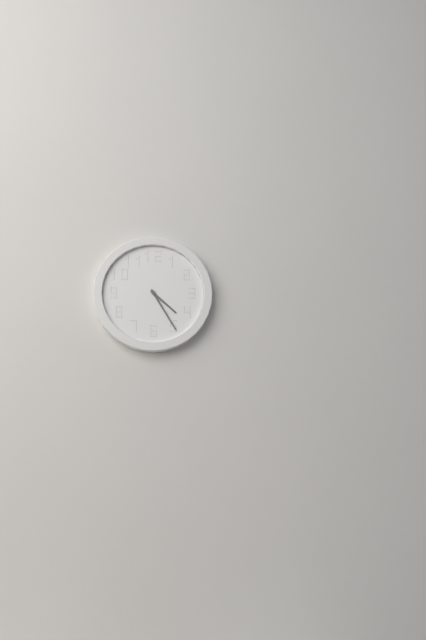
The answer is 4:25
